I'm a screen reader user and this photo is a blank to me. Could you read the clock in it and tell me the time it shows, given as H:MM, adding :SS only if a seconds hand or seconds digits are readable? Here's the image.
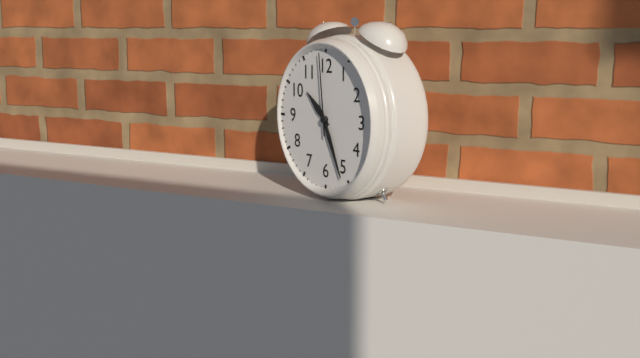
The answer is 10:26:59
